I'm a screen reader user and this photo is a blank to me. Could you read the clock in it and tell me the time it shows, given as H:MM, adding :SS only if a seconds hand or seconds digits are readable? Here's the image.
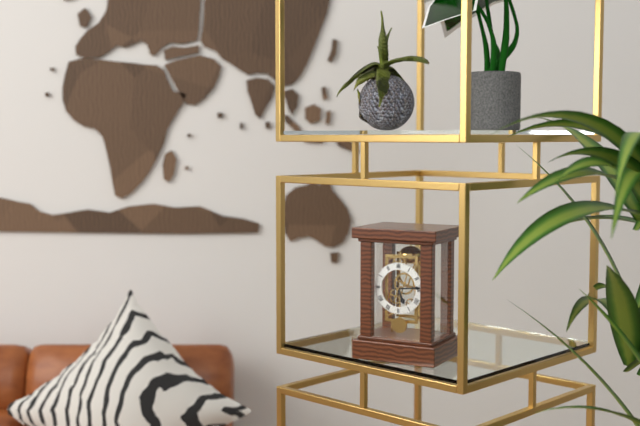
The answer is 5:14
